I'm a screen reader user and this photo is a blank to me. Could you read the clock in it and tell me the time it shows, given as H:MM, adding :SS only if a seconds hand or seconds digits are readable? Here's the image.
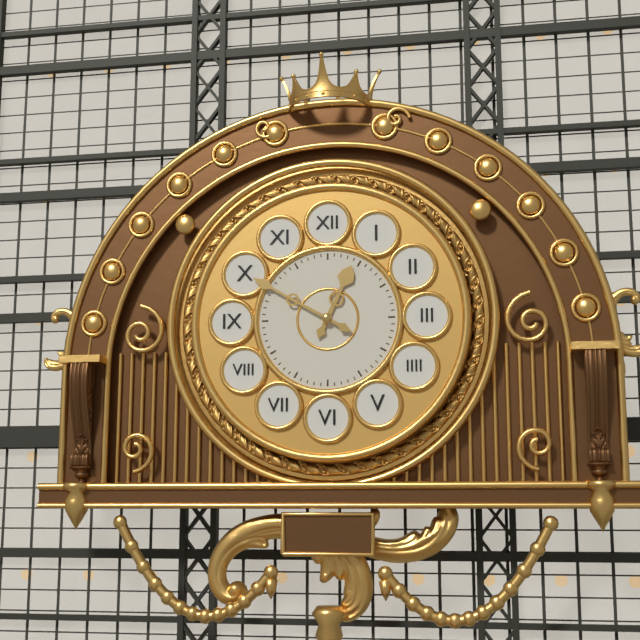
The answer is 12:50
